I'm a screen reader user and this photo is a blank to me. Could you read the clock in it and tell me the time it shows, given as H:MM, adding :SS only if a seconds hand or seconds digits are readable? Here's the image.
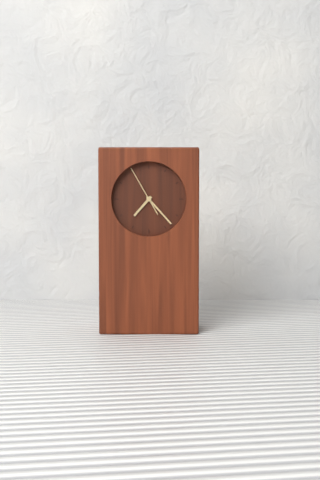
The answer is 7:23
